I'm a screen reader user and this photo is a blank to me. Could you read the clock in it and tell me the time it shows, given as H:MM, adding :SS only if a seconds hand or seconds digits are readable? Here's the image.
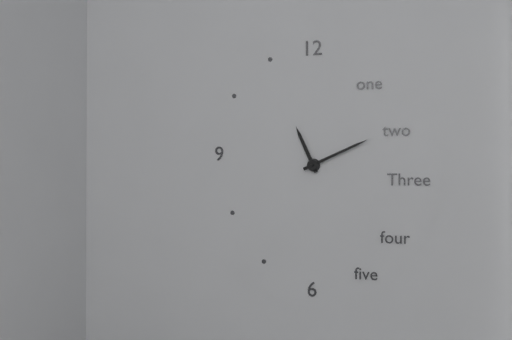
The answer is 11:11
